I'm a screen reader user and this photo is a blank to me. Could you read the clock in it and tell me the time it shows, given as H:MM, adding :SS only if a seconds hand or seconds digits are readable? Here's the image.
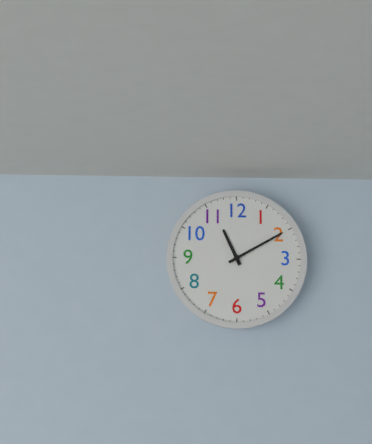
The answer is 11:10
